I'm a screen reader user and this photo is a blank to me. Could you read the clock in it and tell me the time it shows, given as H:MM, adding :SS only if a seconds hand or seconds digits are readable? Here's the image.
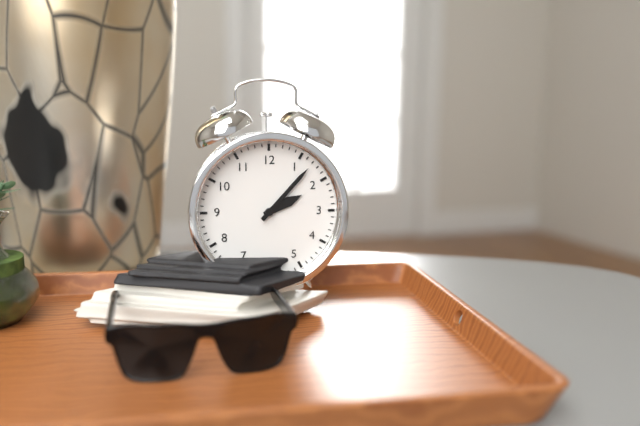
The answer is 2:07
